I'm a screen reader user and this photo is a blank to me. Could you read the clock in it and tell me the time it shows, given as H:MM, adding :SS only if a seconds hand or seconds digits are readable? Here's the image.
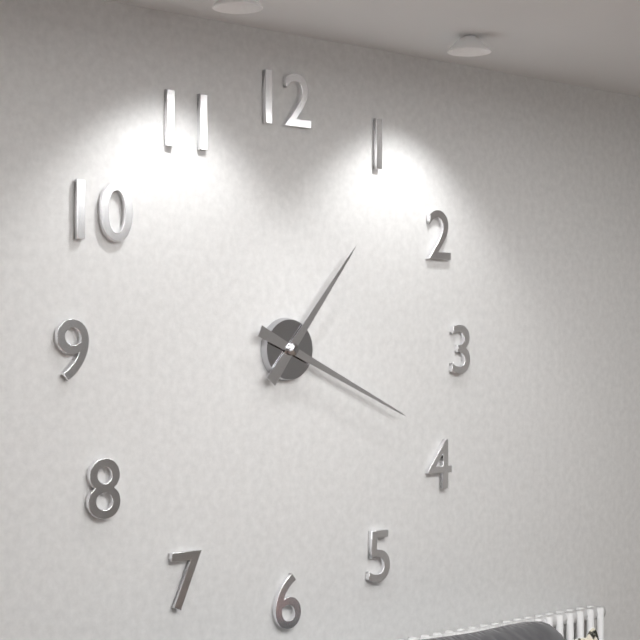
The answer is 1:19
